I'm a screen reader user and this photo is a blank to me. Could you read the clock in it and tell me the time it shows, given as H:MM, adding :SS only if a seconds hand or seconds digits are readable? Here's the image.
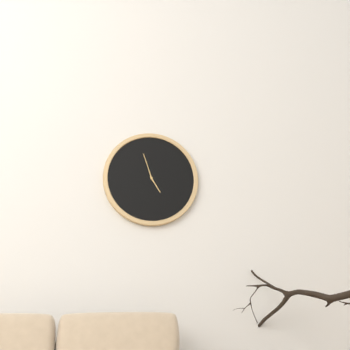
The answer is 4:57
